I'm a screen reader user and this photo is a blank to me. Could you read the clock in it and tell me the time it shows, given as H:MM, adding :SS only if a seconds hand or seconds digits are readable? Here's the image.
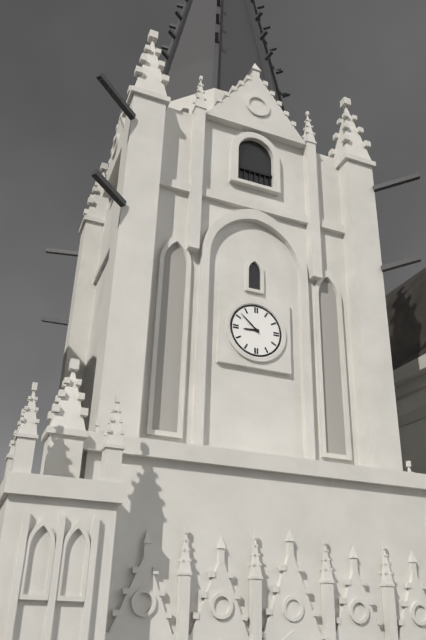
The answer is 8:52
